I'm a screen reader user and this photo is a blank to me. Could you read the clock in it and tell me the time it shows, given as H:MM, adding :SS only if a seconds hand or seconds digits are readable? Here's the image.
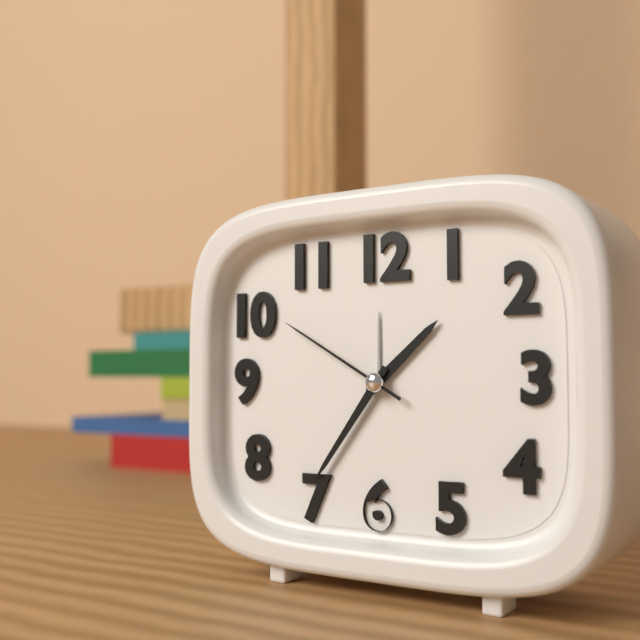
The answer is 1:36:50
